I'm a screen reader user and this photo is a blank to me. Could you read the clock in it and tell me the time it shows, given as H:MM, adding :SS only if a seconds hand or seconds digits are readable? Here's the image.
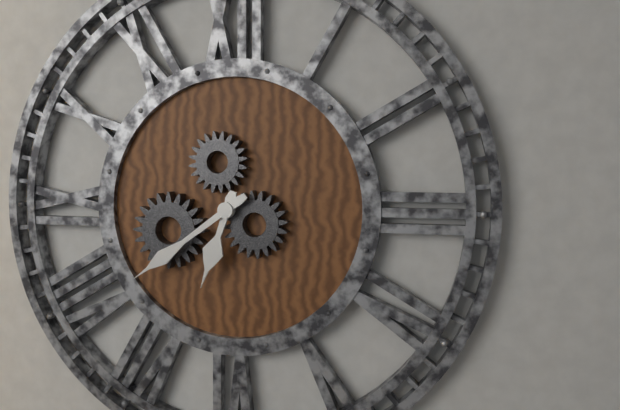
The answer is 6:39
